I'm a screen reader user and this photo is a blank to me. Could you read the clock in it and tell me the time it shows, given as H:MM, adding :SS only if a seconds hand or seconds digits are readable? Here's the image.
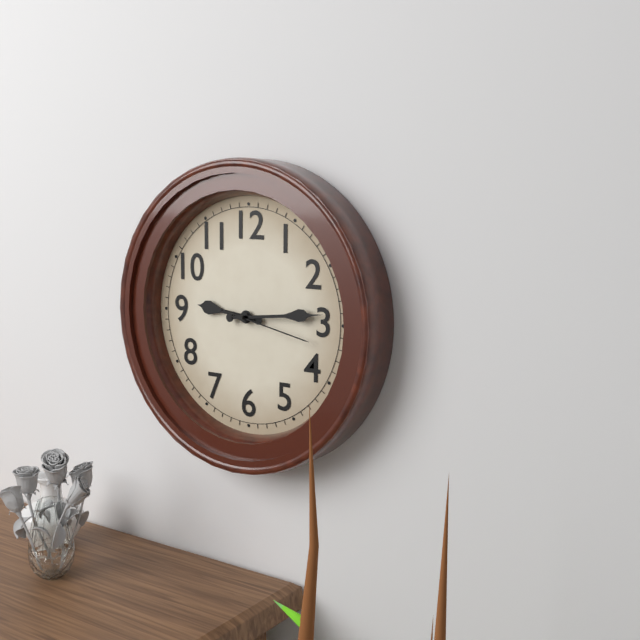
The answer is 9:14:17
